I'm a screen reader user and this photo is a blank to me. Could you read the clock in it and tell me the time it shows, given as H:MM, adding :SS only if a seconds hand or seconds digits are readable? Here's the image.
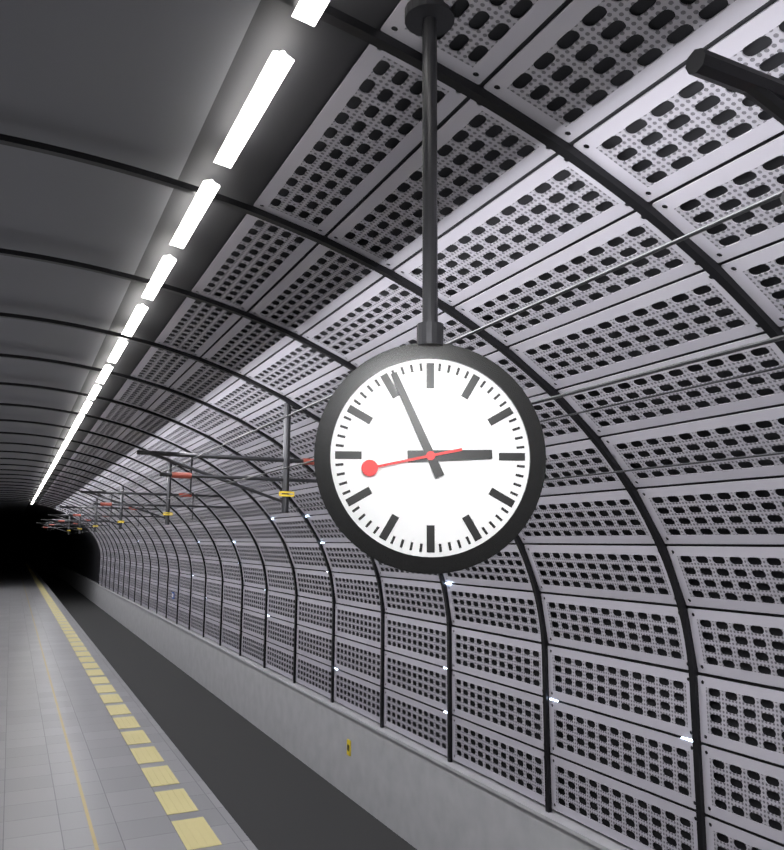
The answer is 2:56:43
